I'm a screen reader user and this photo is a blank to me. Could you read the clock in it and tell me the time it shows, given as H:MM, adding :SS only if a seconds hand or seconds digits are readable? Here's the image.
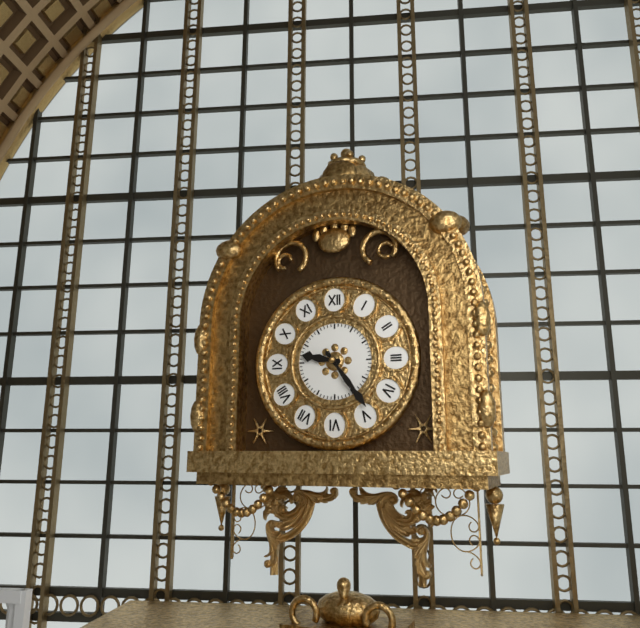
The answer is 9:24
